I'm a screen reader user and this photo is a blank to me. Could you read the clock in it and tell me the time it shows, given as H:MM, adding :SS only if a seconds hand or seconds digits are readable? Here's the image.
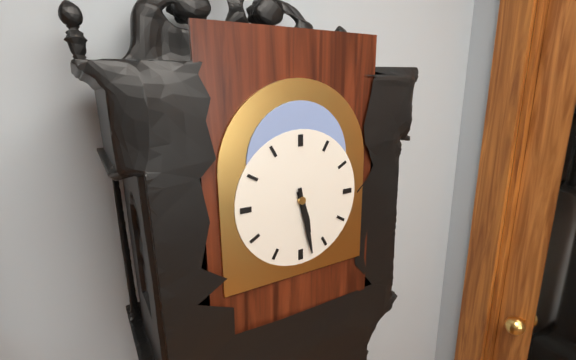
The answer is 5:28
